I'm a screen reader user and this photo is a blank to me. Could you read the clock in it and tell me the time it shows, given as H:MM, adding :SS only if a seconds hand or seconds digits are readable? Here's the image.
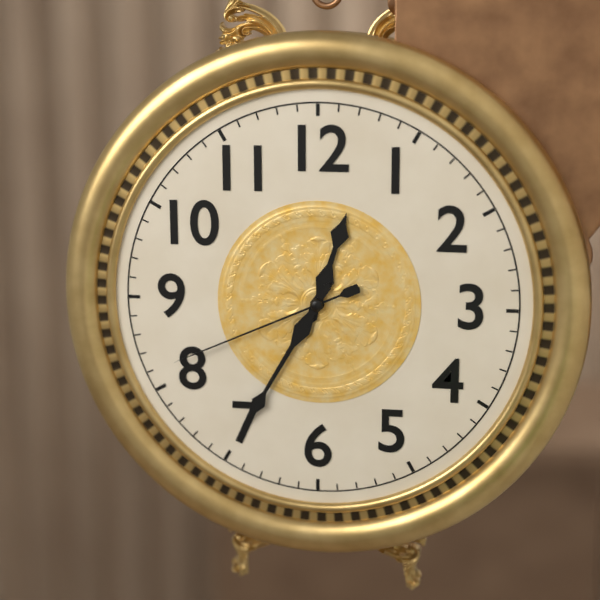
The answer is 12:35:41
